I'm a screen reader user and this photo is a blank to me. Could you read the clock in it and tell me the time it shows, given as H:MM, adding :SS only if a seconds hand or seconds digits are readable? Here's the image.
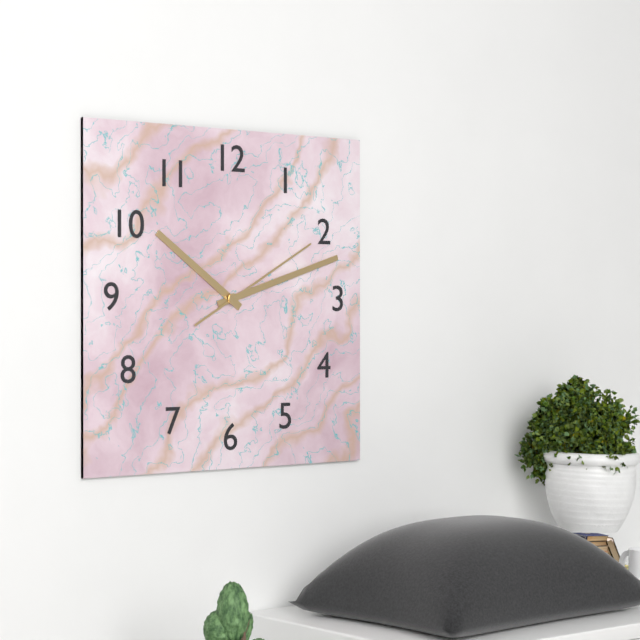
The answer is 10:12:10
